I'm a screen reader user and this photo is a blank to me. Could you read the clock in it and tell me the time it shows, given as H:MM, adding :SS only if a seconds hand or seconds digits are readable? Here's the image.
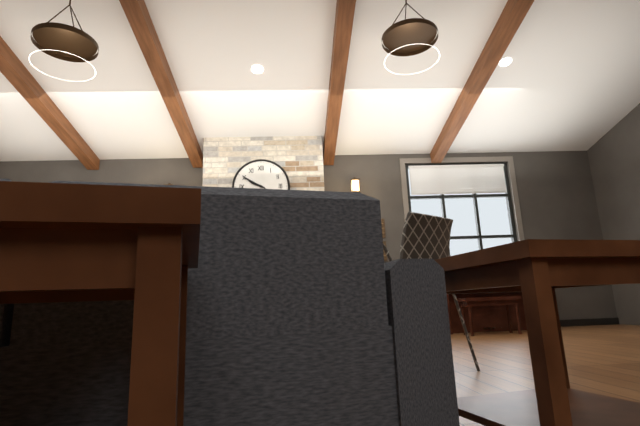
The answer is 9:50
